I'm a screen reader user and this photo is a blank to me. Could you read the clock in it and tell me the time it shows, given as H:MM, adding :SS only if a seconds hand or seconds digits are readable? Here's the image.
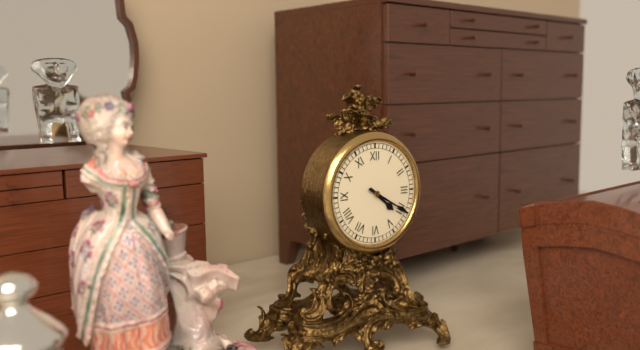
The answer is 4:20
